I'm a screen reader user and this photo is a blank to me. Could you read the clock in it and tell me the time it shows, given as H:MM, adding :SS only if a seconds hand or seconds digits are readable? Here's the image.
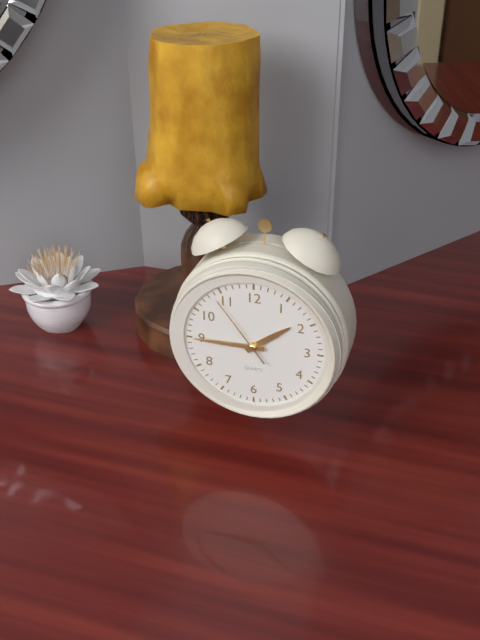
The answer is 1:45:54
